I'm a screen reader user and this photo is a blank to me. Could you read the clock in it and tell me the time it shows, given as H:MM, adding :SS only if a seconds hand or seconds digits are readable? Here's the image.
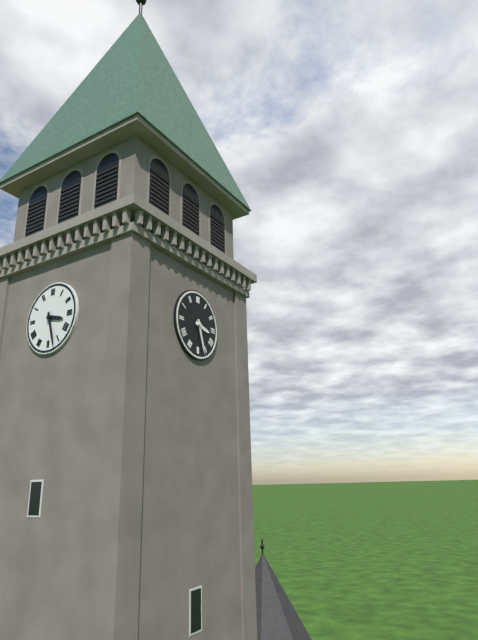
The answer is 3:27
